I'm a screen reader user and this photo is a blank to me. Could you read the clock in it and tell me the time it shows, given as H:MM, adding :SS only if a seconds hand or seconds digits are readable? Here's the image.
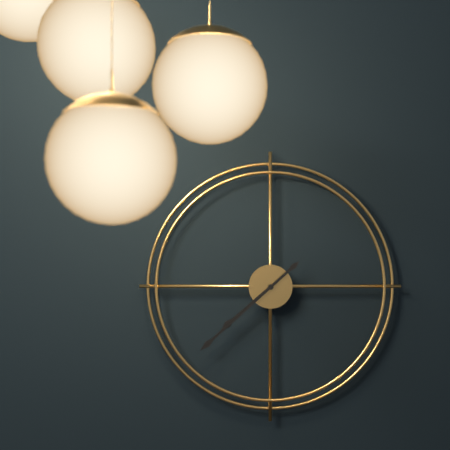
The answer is 7:38
